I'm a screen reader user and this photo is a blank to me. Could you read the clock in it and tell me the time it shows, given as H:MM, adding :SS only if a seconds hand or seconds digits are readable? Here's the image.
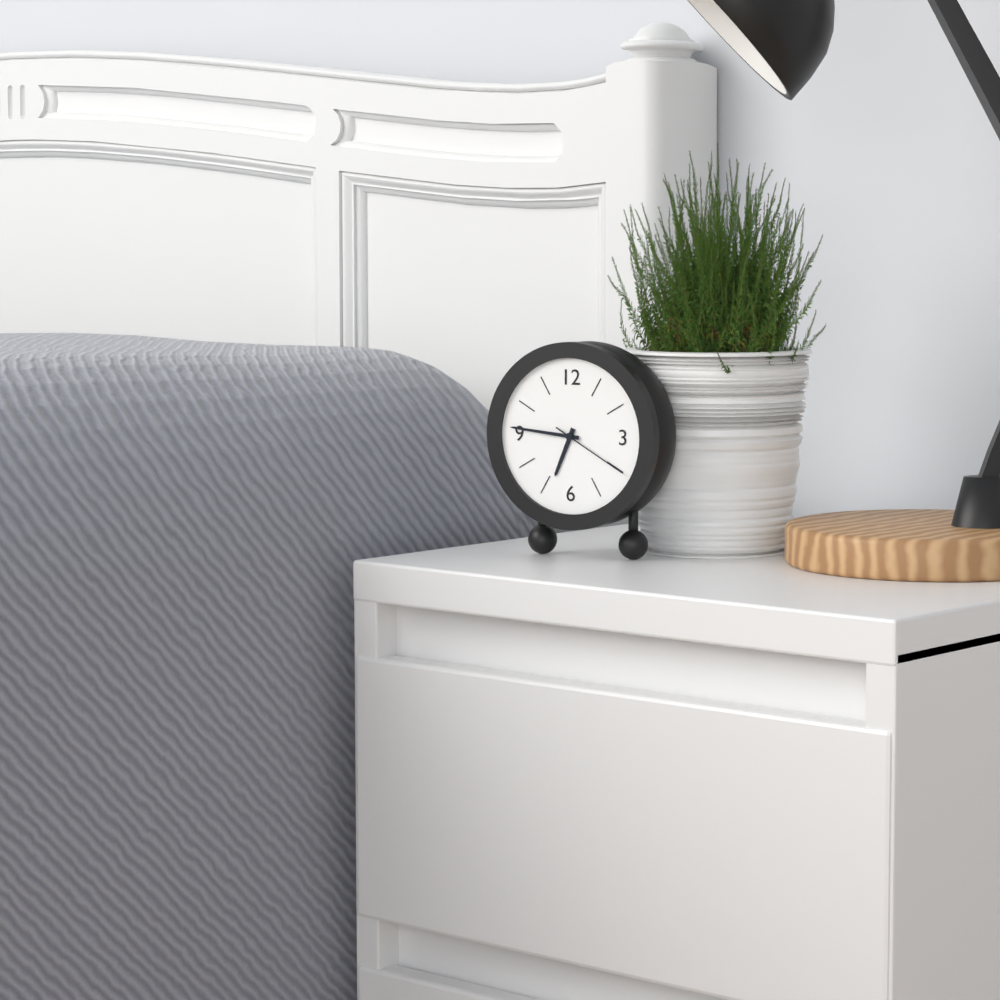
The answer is 6:46:20
